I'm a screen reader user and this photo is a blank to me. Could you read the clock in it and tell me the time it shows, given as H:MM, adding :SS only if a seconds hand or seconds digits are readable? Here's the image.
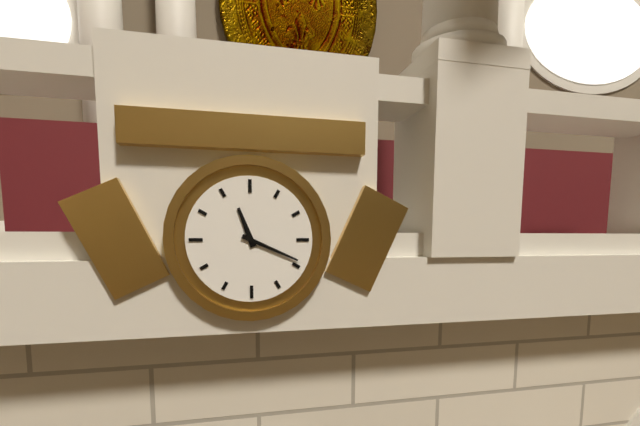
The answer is 11:19
